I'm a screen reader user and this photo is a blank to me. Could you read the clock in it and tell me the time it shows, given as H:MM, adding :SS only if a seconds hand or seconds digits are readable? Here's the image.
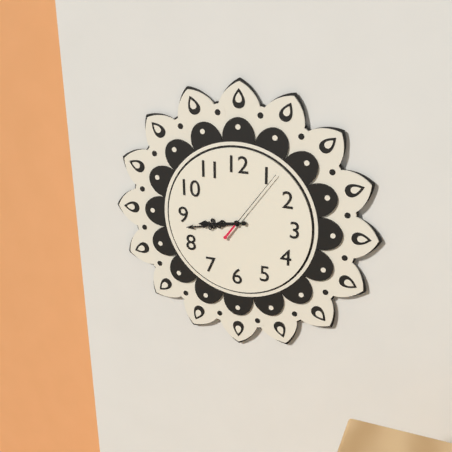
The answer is 8:43:06
